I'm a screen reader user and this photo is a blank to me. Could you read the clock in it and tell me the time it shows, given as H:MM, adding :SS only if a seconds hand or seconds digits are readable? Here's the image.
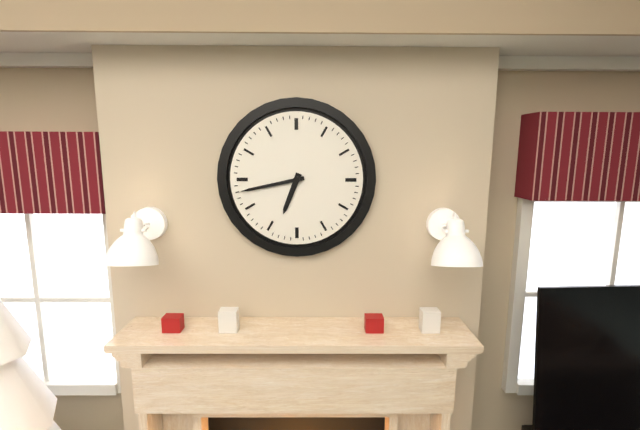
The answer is 6:43
